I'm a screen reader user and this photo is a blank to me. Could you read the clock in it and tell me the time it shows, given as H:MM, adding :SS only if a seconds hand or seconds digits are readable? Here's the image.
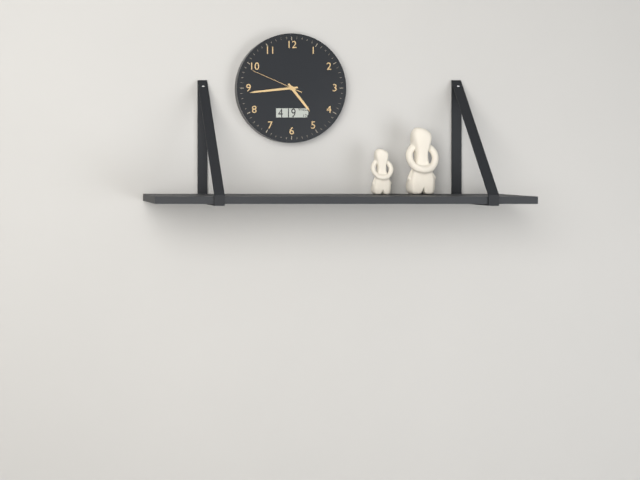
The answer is 4:44:49
